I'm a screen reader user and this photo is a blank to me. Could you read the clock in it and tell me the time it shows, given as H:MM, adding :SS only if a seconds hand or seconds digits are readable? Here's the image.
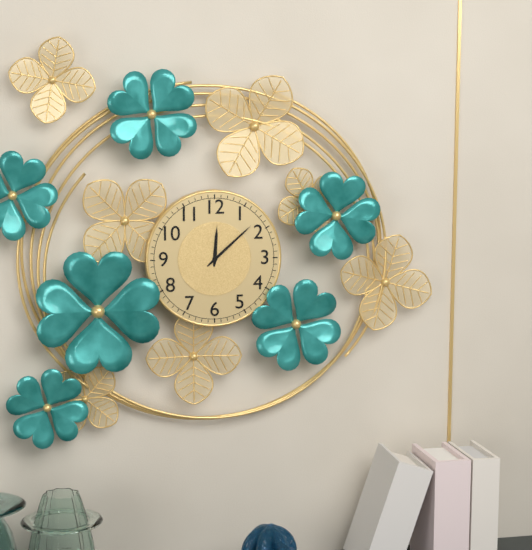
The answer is 12:08
